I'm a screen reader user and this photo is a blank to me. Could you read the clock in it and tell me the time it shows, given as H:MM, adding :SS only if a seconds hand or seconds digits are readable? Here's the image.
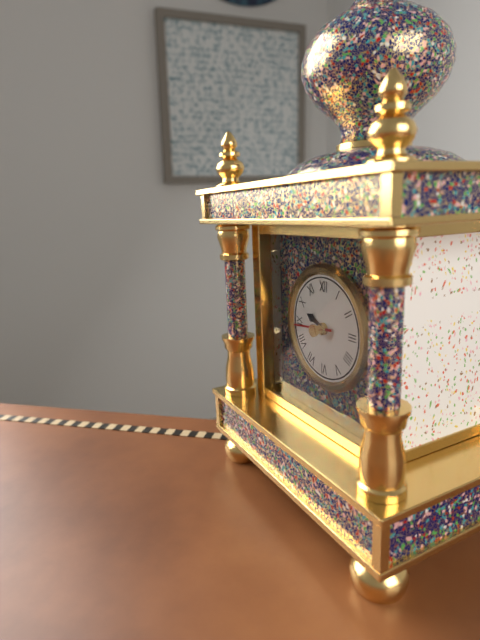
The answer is 9:44
